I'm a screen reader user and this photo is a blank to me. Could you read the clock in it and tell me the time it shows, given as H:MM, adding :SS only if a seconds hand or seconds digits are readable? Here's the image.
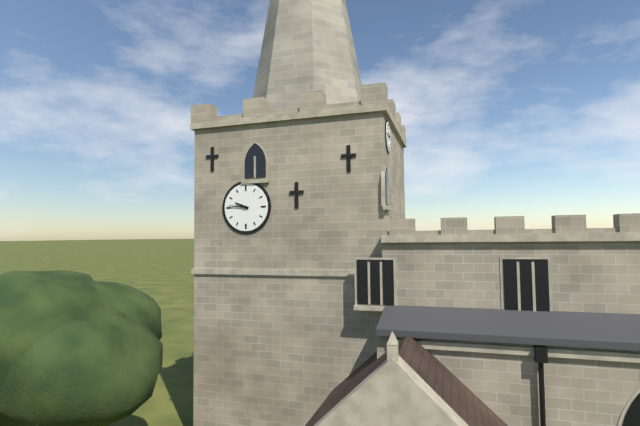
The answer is 9:46
